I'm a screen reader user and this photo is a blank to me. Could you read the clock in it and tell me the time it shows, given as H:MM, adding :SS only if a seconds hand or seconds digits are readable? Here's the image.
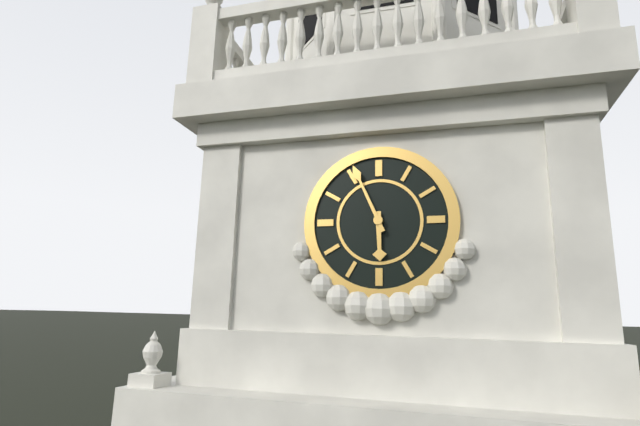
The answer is 5:56
